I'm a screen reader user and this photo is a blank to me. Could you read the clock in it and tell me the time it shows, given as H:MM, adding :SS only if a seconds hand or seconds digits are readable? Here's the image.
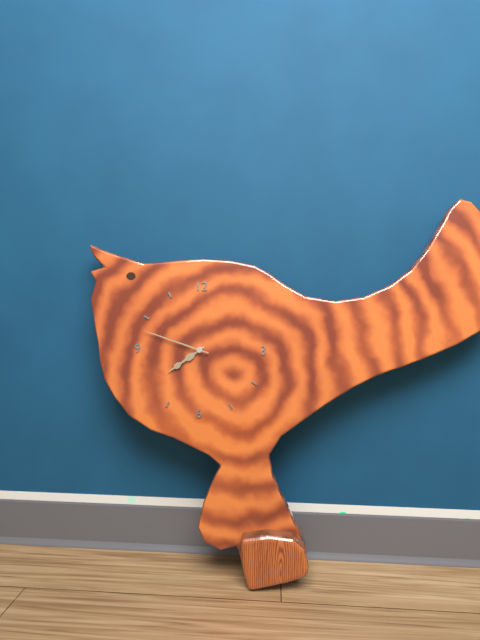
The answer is 7:48
